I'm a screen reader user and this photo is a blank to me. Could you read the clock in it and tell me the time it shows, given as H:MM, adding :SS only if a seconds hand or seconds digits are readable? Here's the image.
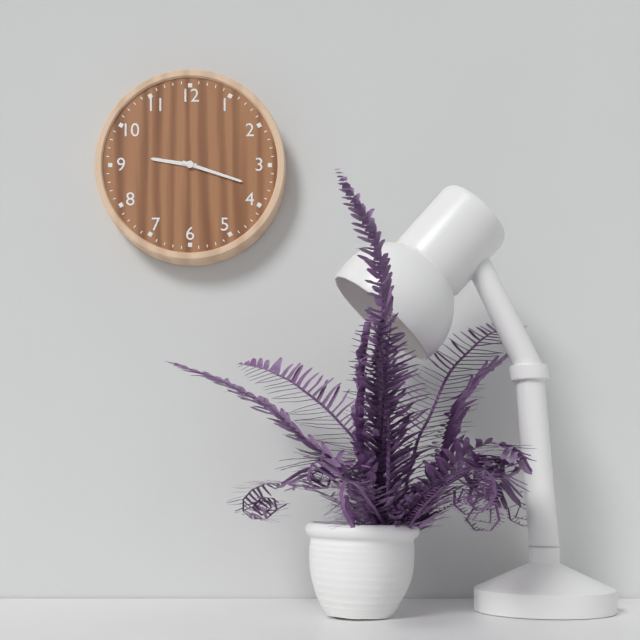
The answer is 9:18
